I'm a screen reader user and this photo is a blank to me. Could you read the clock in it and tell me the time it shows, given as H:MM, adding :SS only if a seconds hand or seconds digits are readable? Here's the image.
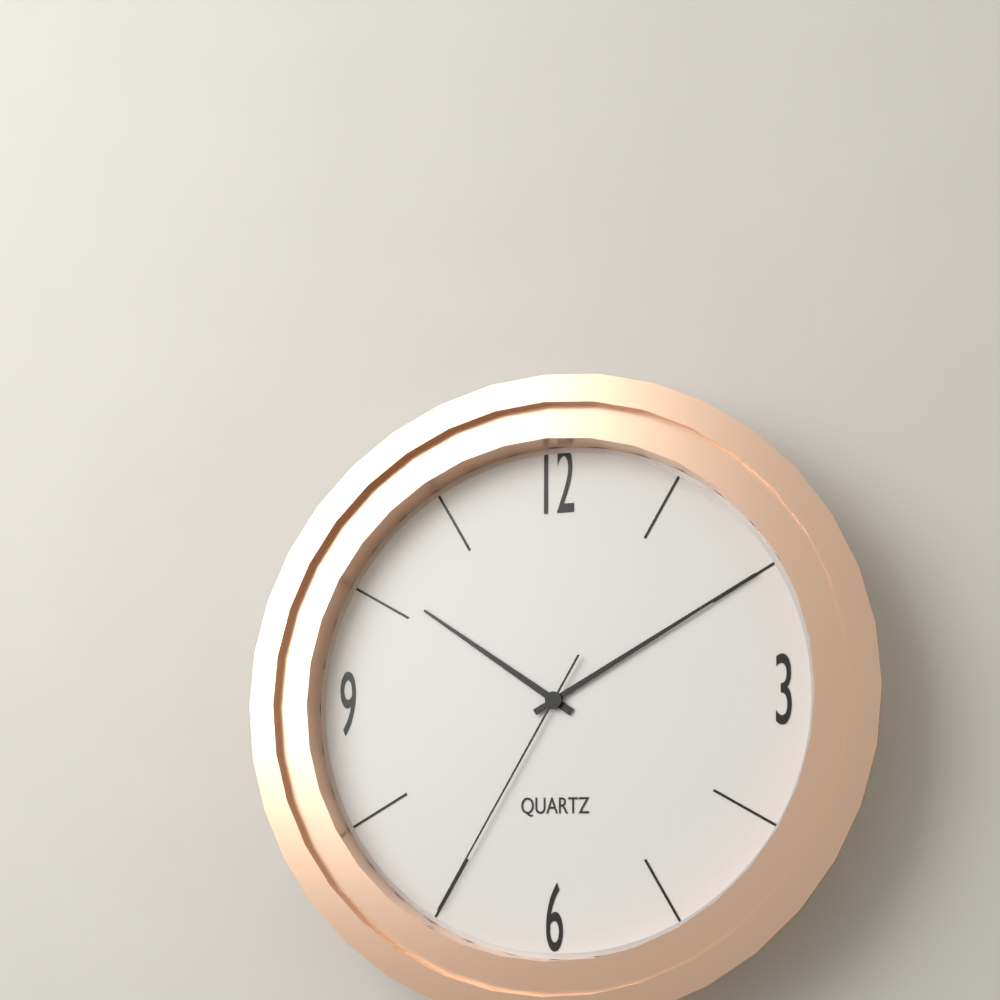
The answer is 10:10:35
